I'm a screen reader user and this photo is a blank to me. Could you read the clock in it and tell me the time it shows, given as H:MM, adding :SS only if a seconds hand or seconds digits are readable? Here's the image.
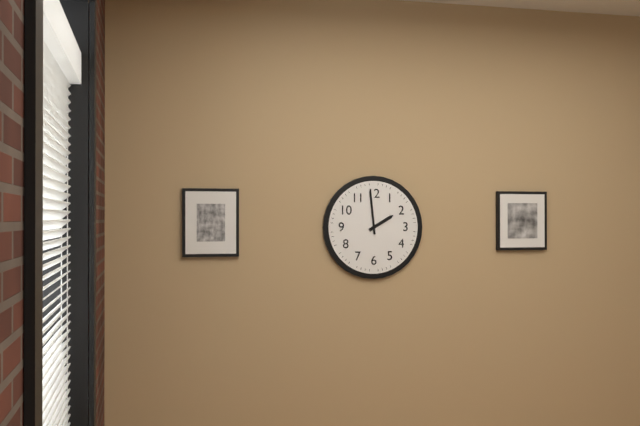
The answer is 1:59
